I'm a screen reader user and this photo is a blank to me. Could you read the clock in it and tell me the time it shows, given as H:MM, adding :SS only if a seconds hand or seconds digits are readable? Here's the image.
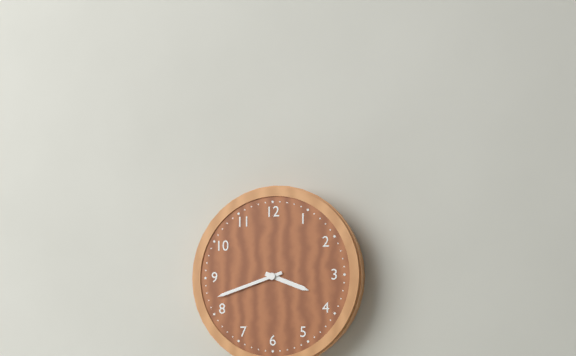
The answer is 3:42
